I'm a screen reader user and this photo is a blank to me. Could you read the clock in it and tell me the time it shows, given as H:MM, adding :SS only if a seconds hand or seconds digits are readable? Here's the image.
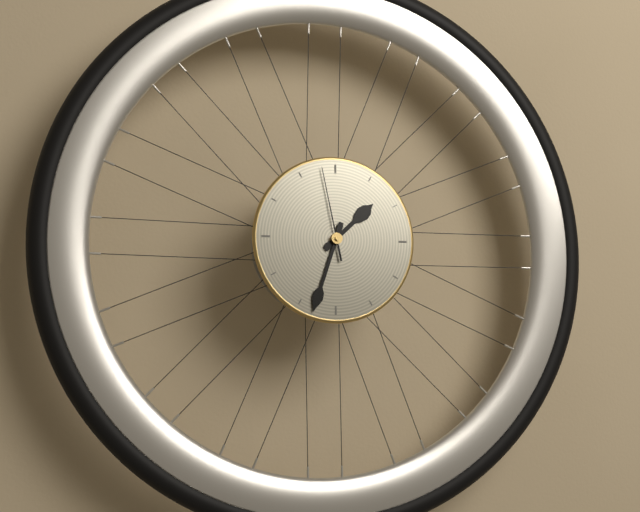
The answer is 1:33:58
